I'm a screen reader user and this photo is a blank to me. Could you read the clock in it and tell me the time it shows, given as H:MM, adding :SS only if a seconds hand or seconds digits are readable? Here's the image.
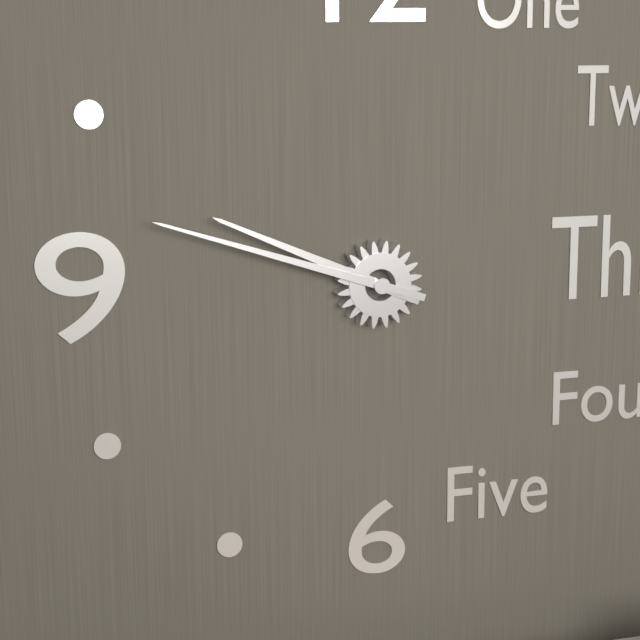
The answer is 9:48
